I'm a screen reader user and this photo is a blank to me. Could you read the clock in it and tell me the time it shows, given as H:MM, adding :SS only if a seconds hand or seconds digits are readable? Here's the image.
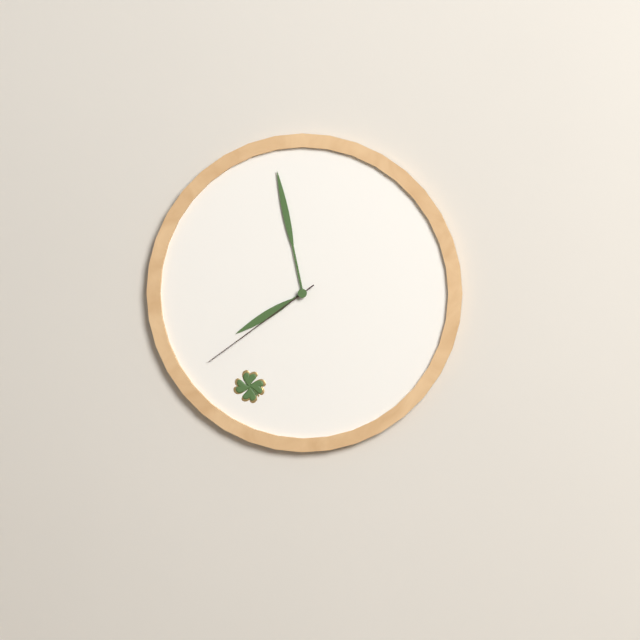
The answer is 7:58:39
